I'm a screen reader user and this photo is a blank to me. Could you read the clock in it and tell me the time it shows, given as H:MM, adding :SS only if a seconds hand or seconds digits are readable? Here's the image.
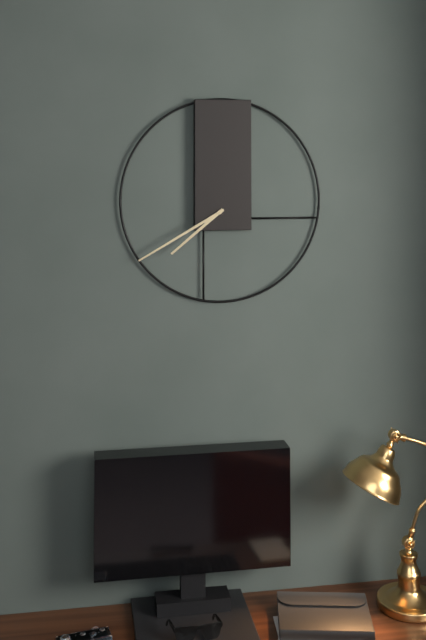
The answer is 7:40
